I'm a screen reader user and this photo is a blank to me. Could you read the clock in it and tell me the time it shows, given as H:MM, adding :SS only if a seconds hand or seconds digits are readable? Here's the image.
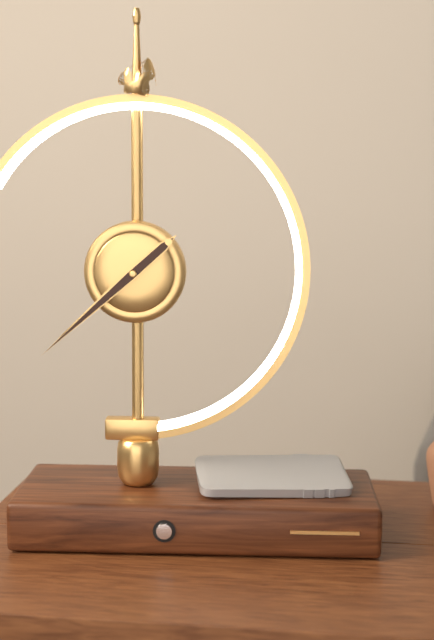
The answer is 7:38
